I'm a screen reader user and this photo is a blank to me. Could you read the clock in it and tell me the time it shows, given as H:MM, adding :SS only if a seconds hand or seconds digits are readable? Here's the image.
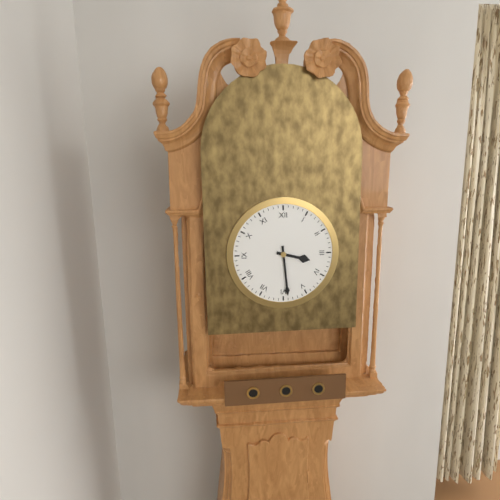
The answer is 3:29
